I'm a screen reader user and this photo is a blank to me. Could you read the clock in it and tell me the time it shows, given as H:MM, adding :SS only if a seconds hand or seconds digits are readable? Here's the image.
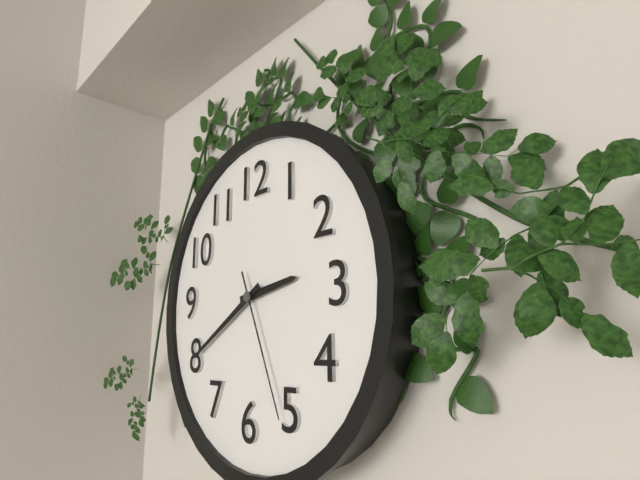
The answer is 2:40:26
